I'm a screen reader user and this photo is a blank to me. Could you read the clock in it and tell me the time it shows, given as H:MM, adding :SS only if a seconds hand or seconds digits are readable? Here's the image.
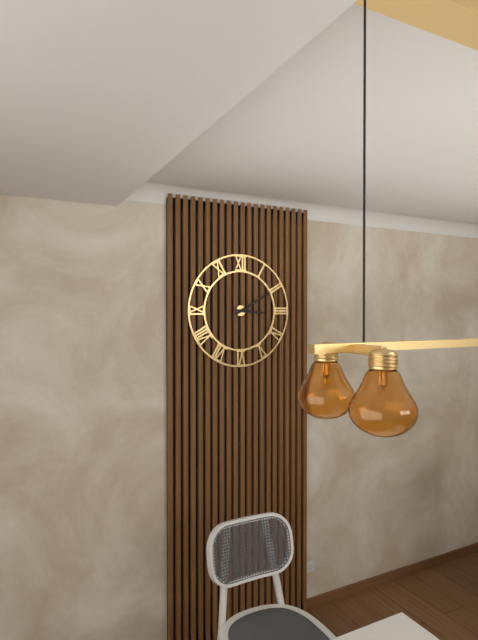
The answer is 3:10
